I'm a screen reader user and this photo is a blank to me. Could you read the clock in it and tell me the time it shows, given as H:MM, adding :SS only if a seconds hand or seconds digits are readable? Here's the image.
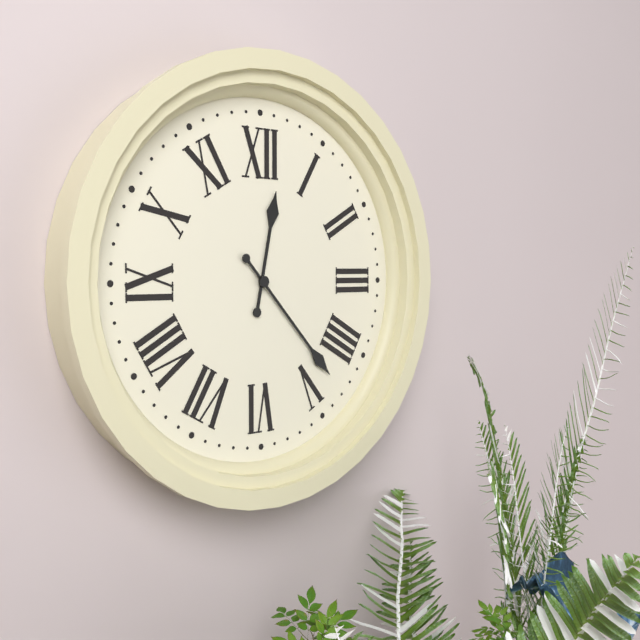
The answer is 12:23
